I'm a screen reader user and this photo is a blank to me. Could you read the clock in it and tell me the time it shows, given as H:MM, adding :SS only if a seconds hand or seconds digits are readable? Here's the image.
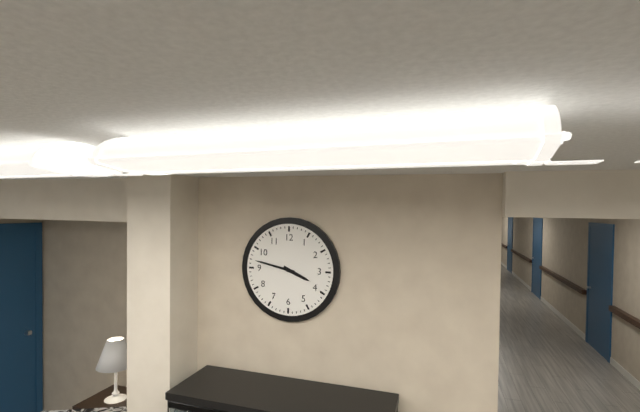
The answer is 3:47
